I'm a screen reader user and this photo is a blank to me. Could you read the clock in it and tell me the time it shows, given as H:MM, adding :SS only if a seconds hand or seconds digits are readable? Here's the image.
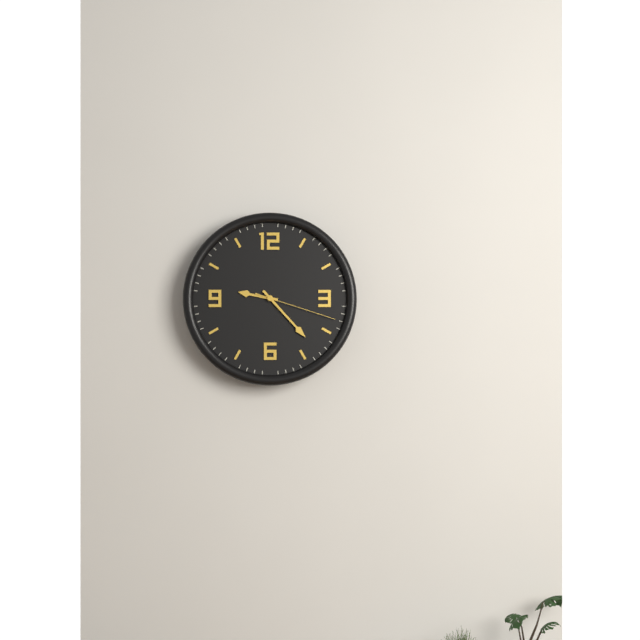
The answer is 9:23:18
